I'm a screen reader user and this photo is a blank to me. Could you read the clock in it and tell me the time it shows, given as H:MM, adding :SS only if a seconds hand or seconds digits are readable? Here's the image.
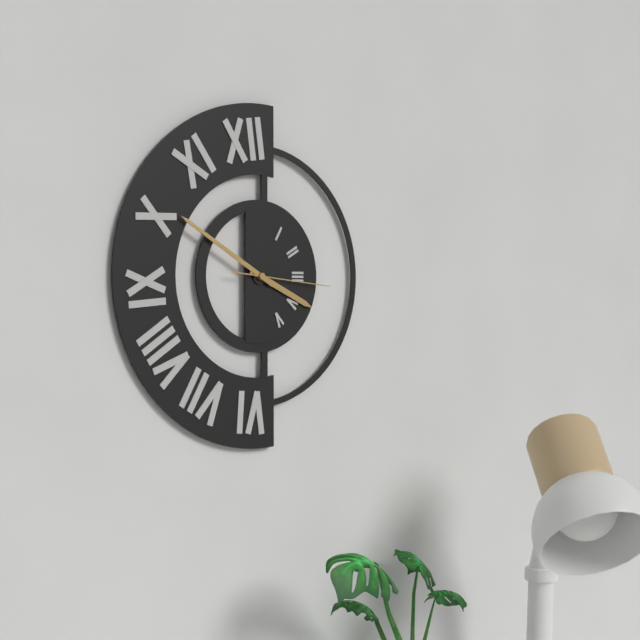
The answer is 3:50:16
